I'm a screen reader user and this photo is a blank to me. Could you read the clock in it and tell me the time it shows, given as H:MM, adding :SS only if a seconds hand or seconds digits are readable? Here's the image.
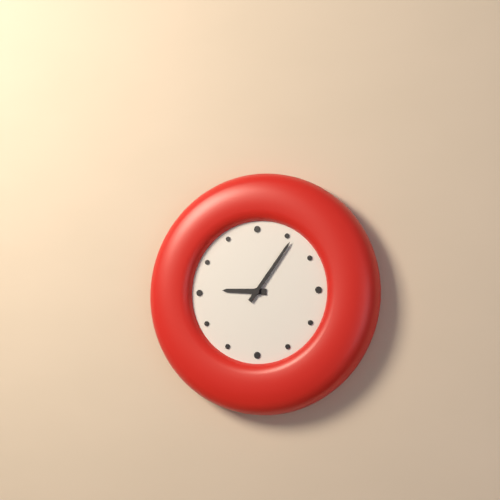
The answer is 9:06
